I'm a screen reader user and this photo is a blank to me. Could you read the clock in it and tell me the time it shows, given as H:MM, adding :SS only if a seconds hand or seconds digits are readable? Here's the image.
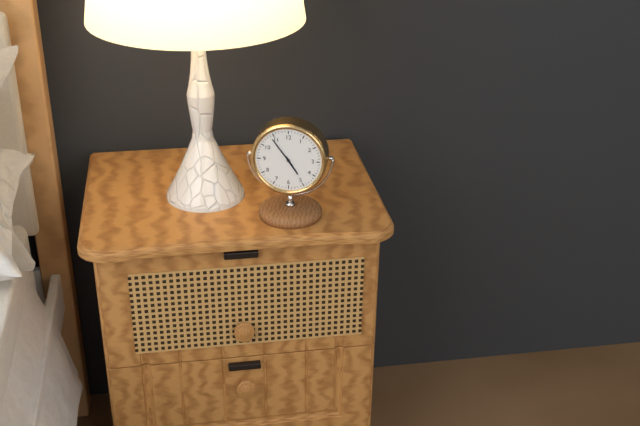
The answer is 4:54
